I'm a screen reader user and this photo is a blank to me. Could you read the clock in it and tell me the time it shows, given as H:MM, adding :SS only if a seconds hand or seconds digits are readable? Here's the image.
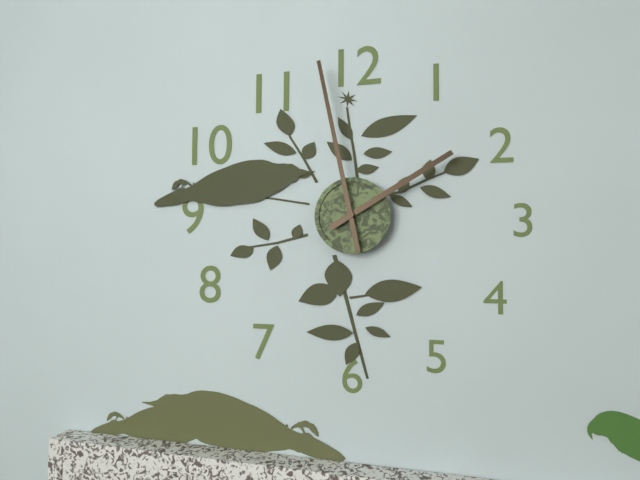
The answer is 1:58
